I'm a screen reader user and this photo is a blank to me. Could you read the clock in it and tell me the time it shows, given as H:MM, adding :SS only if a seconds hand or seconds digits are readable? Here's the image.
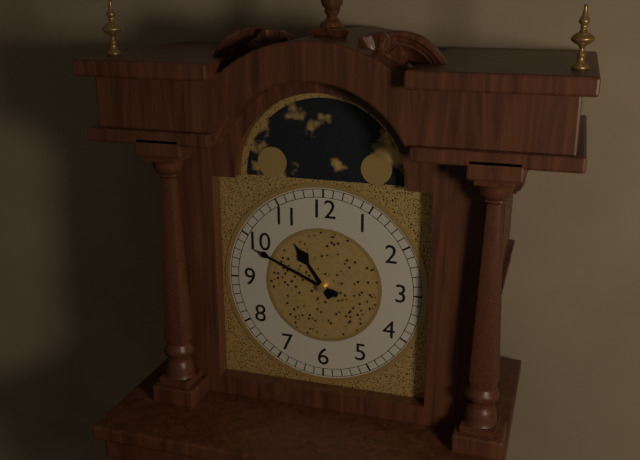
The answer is 10:49
